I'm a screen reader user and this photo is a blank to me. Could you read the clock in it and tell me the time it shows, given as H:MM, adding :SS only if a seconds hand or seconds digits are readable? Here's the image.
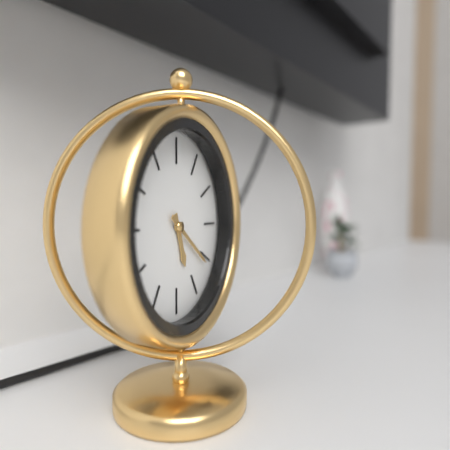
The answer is 5:21
